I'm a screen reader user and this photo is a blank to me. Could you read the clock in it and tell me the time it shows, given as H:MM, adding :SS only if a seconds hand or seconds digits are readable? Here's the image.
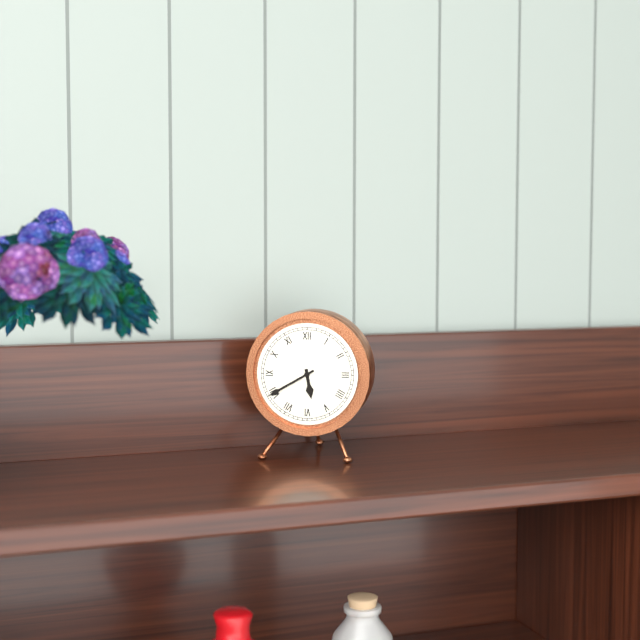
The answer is 5:40
